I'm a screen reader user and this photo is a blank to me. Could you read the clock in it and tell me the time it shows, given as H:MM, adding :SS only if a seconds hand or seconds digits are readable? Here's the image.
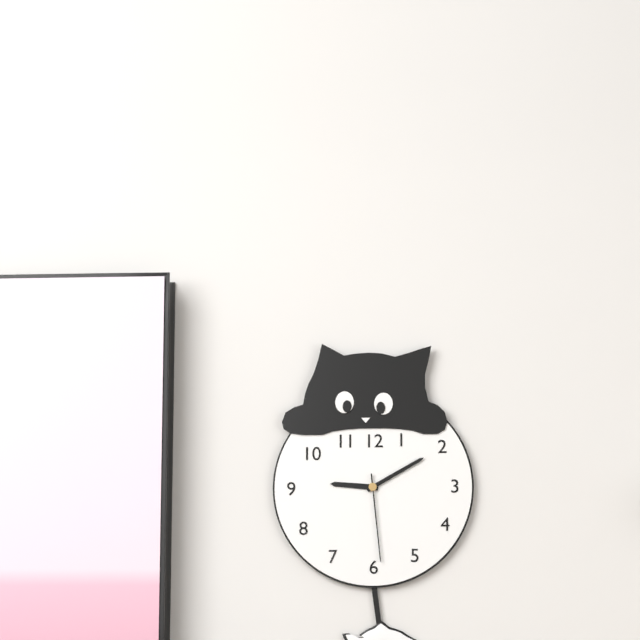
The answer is 9:10:29
